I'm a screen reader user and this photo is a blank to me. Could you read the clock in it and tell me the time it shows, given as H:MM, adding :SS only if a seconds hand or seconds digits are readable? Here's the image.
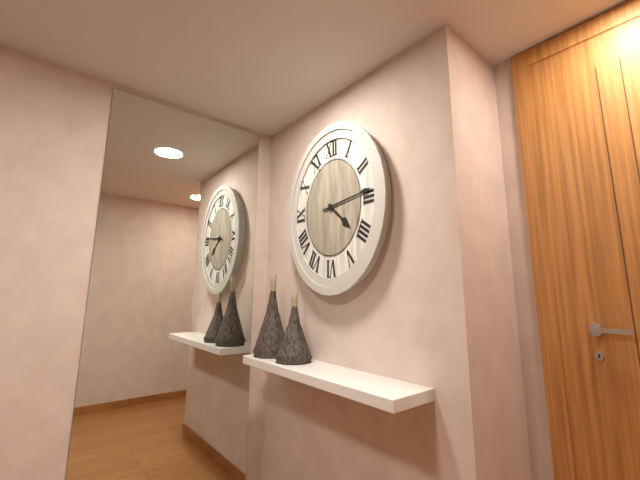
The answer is 4:14
